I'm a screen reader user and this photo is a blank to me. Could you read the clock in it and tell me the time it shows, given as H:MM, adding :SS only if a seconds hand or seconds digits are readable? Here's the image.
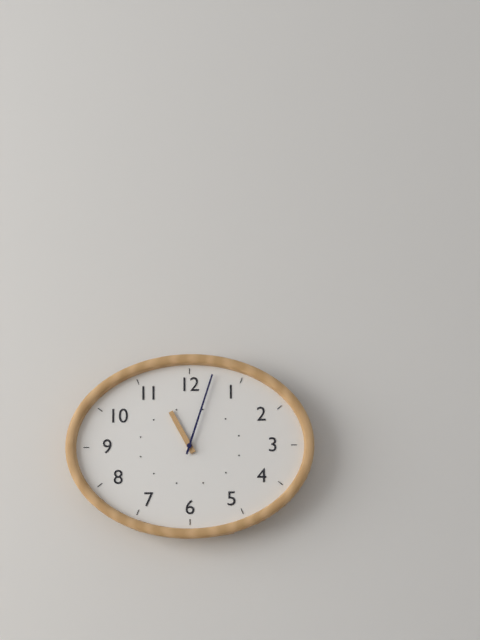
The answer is 11:03
